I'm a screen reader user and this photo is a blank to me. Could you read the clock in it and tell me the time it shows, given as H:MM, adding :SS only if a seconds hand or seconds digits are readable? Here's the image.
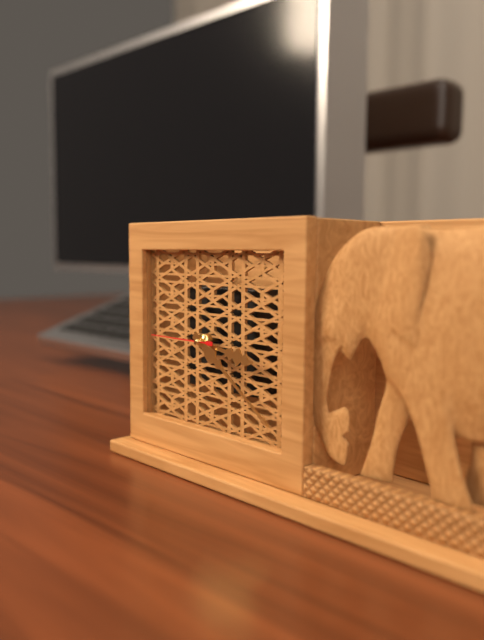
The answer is 3:21:45
